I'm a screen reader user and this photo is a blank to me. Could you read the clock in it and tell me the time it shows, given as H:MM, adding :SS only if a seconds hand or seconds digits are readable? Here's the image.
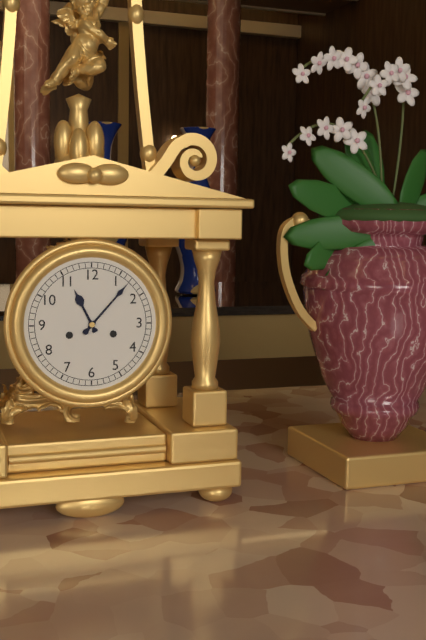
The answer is 11:07
